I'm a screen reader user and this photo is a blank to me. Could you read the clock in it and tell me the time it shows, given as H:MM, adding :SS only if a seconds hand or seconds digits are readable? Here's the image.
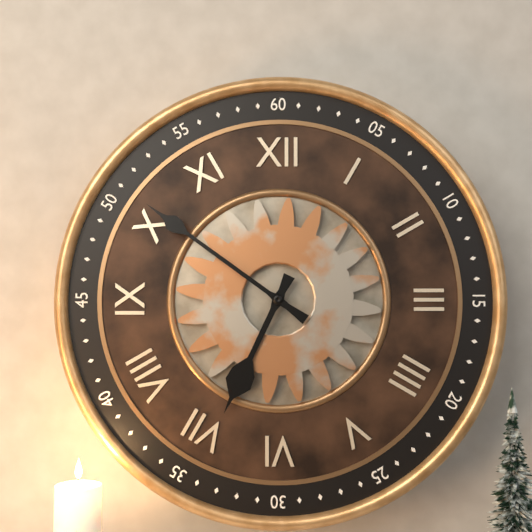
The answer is 6:51
